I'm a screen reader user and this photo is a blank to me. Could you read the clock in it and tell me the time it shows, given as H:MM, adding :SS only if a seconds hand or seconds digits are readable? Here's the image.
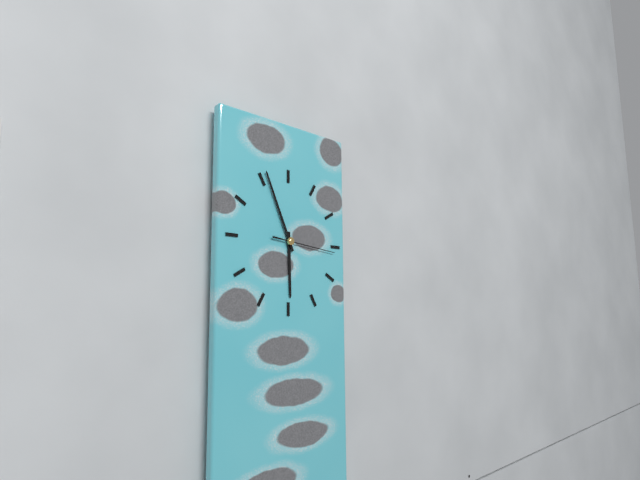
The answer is 5:56:16
